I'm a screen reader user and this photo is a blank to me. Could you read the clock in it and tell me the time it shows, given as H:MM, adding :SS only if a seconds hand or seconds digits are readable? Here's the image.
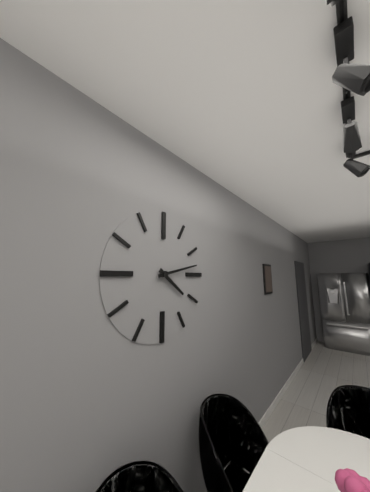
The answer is 4:13
